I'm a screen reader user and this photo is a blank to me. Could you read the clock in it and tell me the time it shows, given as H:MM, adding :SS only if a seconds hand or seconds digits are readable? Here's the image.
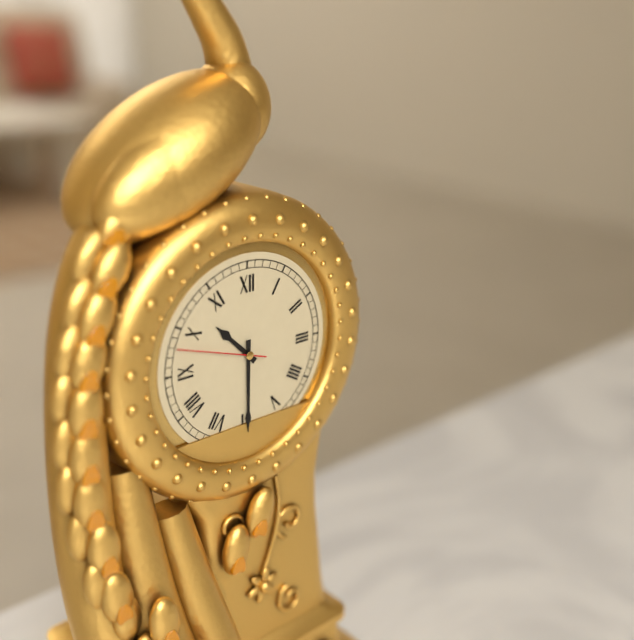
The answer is 10:30:48
